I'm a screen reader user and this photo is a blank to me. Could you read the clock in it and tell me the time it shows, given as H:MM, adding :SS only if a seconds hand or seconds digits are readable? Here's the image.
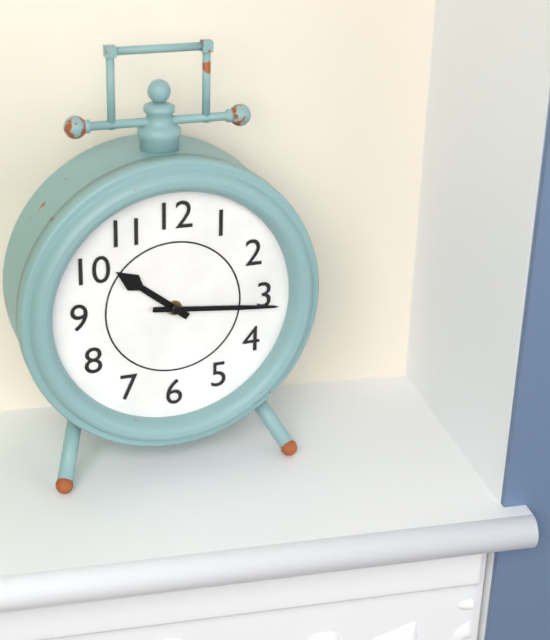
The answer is 10:16
